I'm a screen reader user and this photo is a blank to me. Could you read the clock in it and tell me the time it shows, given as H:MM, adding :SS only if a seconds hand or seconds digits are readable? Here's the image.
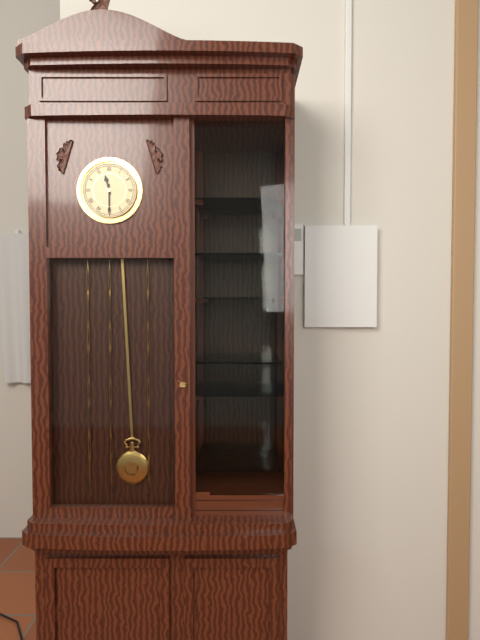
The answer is 11:30
